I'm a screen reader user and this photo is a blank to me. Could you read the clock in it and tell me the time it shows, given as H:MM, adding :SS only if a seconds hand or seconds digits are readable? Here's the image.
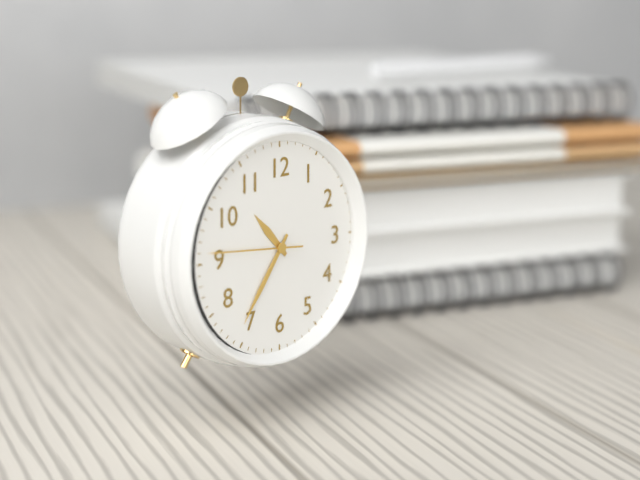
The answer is 10:36:46
